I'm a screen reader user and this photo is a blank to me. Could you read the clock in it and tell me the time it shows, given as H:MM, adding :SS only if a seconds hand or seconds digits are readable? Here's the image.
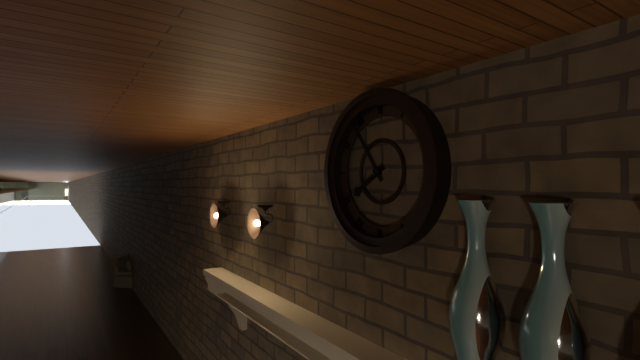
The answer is 7:54
